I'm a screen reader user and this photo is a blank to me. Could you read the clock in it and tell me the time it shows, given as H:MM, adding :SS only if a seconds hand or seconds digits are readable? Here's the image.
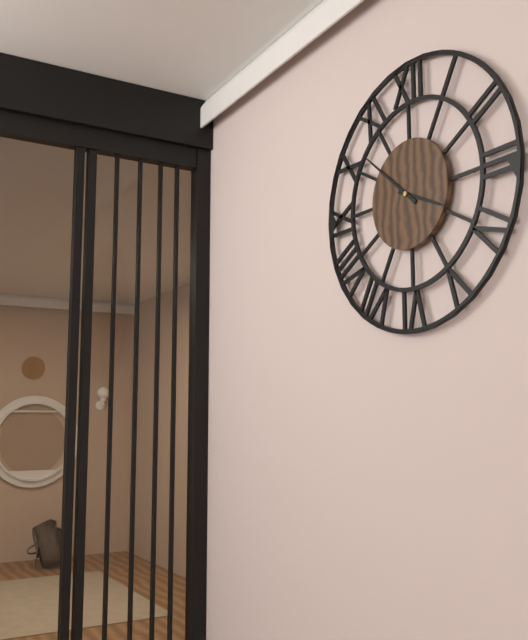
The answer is 3:52
